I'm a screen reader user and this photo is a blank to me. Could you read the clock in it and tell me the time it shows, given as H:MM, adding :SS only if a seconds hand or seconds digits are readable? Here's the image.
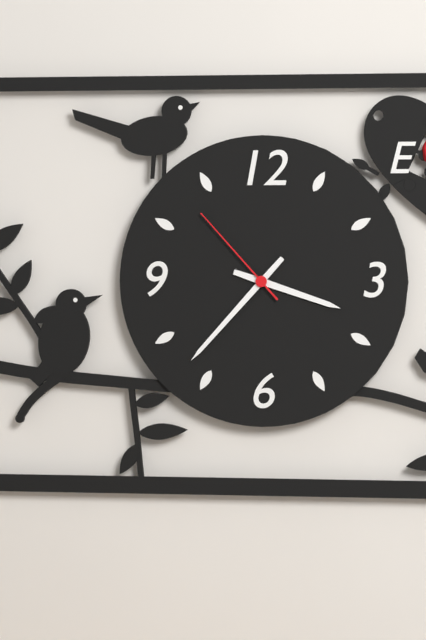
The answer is 3:37:53
